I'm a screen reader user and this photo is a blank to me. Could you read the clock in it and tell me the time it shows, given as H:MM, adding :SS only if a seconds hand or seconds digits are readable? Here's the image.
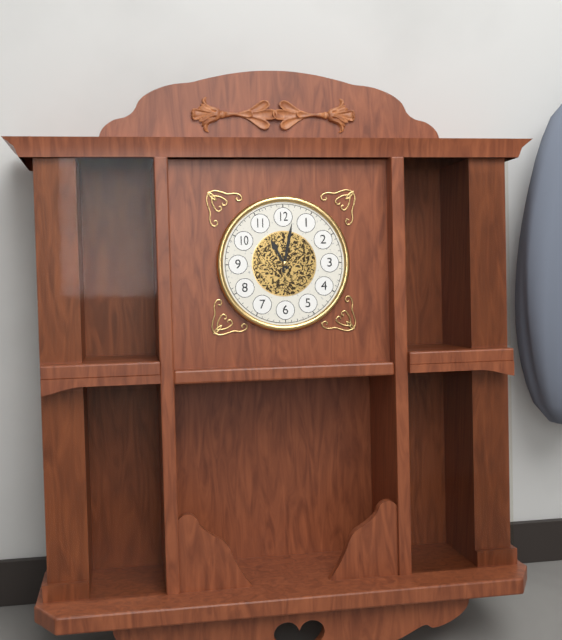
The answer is 11:02
